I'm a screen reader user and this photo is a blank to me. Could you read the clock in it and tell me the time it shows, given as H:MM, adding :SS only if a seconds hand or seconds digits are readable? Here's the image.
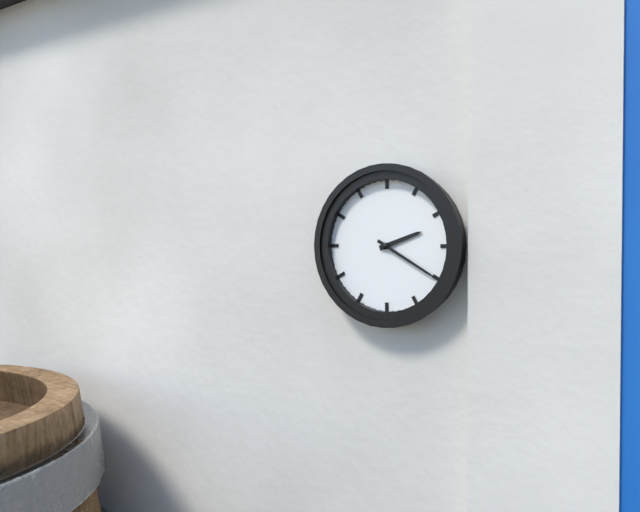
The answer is 2:20
